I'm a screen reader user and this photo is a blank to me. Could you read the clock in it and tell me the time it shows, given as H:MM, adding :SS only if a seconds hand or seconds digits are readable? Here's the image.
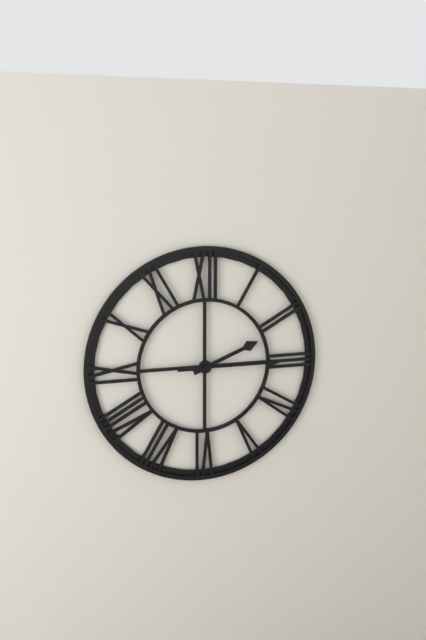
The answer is 2:15
